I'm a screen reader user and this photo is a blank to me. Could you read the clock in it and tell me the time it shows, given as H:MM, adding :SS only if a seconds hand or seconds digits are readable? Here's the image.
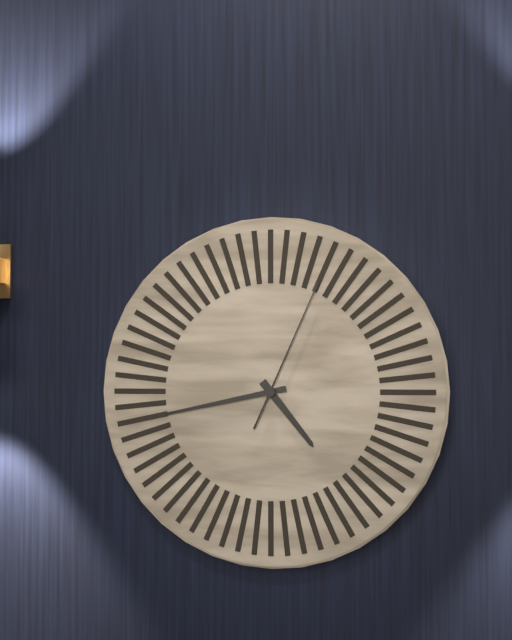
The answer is 4:43:04
